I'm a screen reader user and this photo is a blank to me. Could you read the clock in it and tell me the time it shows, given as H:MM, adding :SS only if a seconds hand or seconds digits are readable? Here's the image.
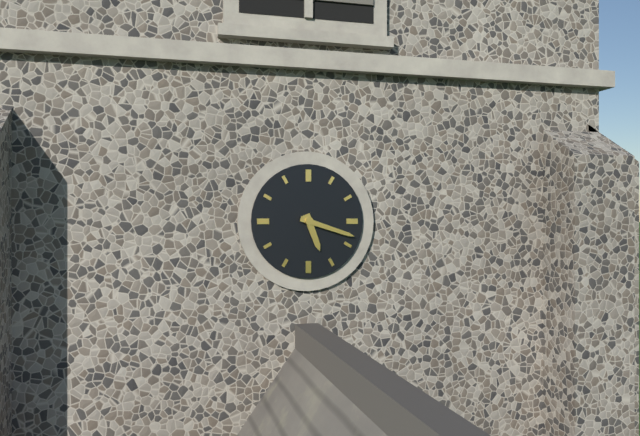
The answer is 5:18
